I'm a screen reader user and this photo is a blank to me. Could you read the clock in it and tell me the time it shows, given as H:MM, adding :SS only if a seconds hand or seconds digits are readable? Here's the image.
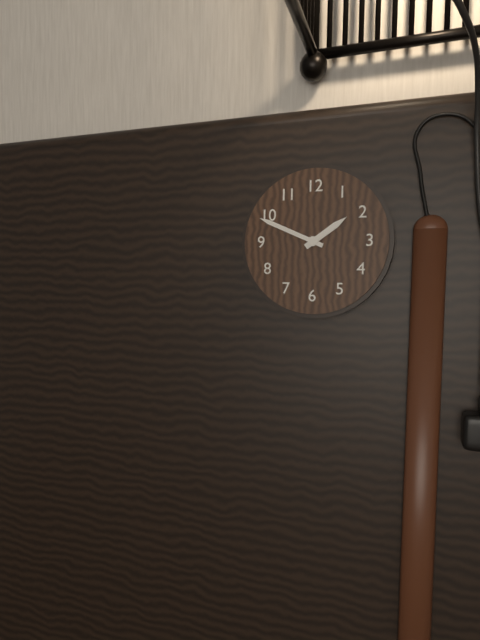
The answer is 1:49
